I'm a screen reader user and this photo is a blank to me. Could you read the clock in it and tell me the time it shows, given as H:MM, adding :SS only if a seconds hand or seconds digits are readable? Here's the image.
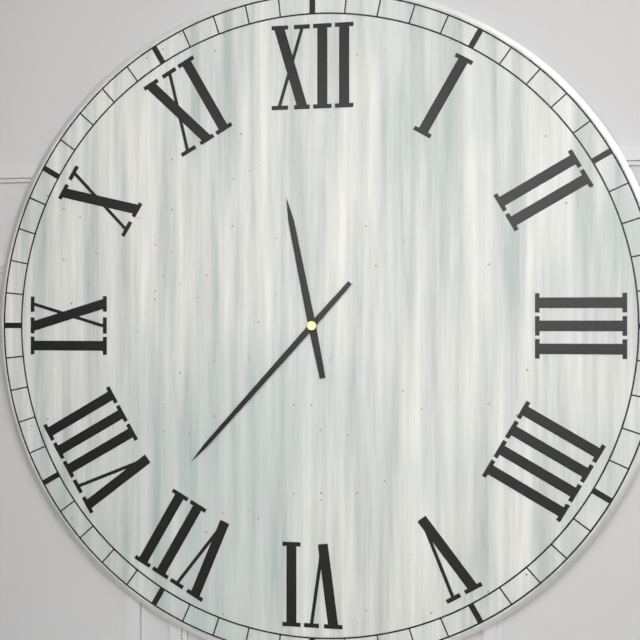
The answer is 11:37
